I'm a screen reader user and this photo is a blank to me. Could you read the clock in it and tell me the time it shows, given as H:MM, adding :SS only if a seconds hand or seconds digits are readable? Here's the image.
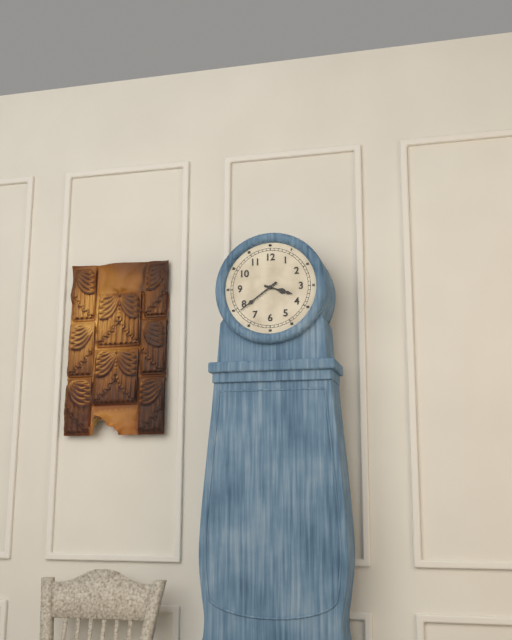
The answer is 3:39
